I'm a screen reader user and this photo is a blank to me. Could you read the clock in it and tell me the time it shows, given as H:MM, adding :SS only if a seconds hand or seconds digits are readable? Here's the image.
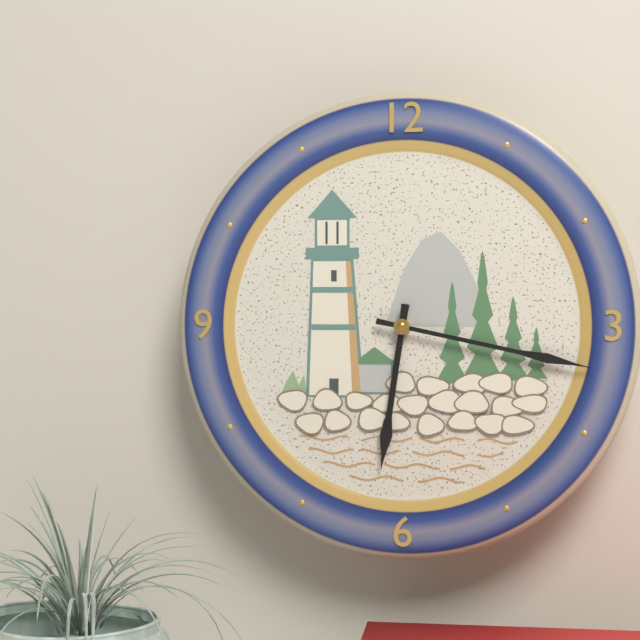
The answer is 6:17
